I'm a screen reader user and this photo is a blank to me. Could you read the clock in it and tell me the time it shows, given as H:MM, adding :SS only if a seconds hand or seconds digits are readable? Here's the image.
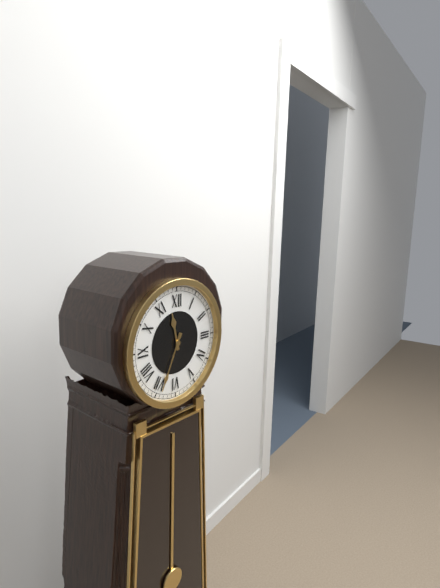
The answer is 11:34
